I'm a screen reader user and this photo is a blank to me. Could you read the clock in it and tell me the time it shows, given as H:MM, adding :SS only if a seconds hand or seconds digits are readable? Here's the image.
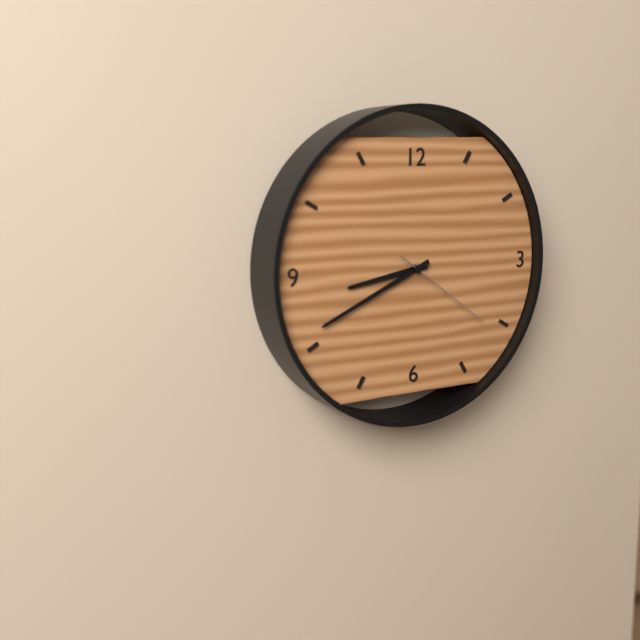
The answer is 8:41:21
